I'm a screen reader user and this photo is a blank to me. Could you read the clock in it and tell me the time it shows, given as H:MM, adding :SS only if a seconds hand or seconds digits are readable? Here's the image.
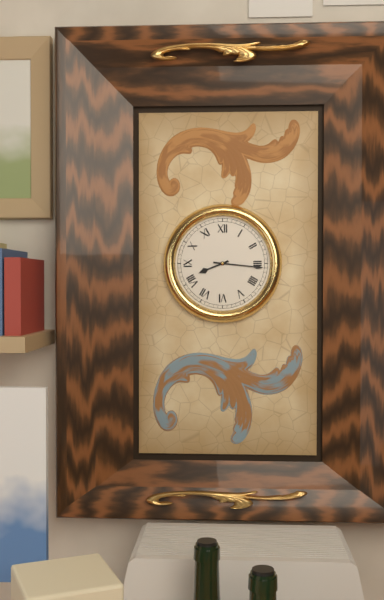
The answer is 8:16
